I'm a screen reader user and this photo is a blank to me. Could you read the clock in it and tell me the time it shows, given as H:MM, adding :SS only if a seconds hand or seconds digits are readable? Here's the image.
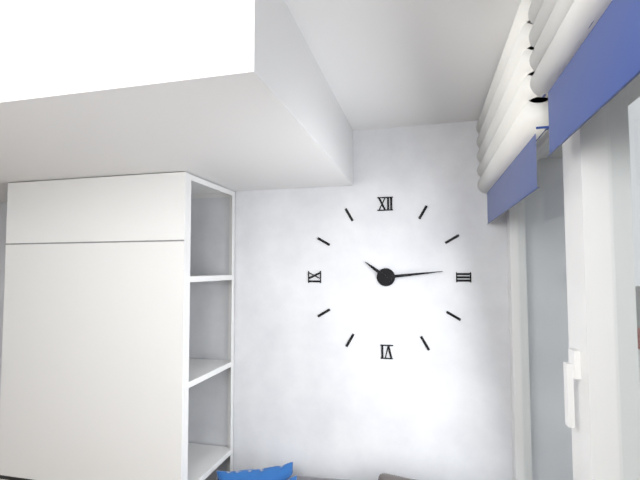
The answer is 10:14
